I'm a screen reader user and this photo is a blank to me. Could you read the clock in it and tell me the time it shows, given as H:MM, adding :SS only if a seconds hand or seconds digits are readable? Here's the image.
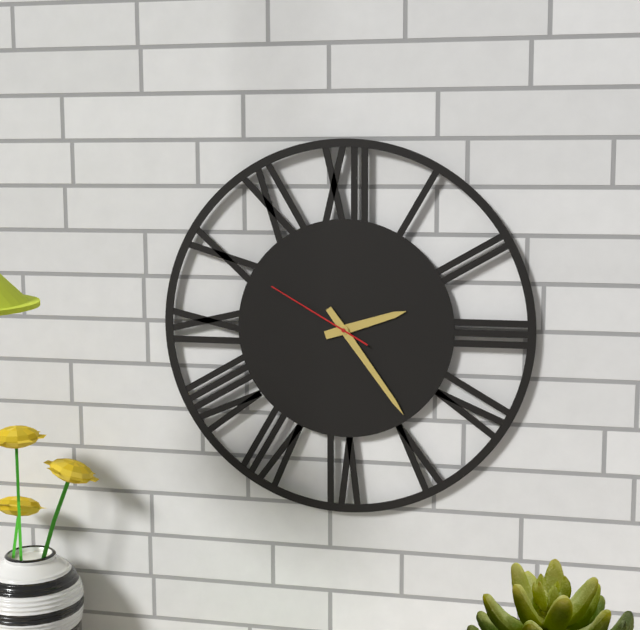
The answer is 2:24:50
